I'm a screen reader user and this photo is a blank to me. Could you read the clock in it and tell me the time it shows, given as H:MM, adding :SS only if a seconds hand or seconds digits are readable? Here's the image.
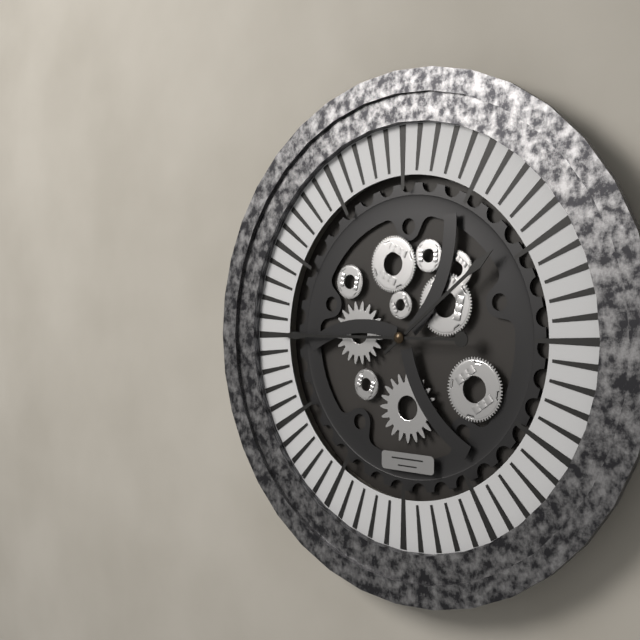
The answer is 1:45
